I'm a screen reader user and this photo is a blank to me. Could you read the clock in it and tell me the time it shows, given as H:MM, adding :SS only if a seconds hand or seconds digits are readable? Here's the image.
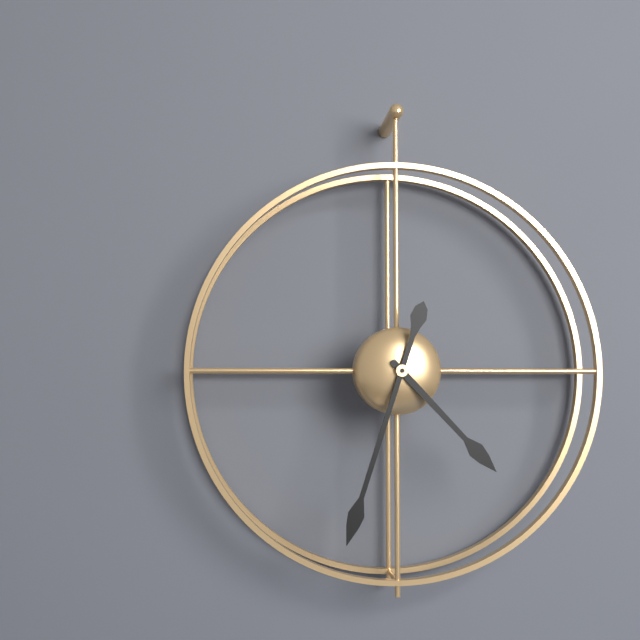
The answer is 4:33
